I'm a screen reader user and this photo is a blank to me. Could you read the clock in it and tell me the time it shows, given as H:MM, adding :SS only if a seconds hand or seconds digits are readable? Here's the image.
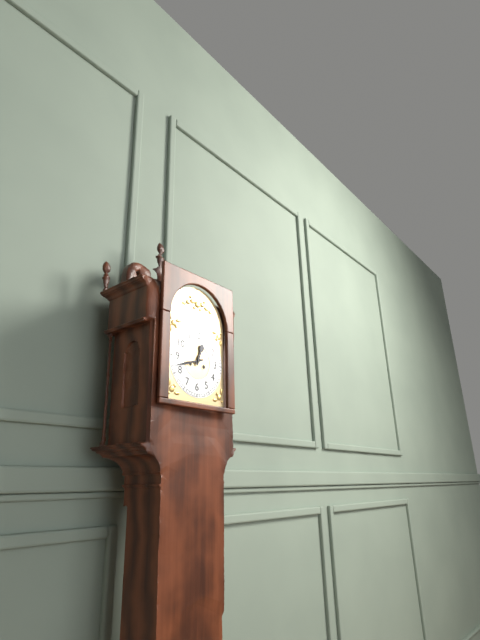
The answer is 12:42
